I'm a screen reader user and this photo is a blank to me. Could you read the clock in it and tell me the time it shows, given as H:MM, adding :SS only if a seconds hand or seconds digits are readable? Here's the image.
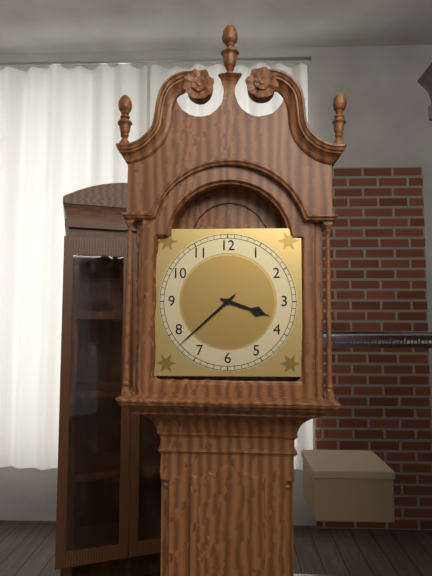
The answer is 3:38
